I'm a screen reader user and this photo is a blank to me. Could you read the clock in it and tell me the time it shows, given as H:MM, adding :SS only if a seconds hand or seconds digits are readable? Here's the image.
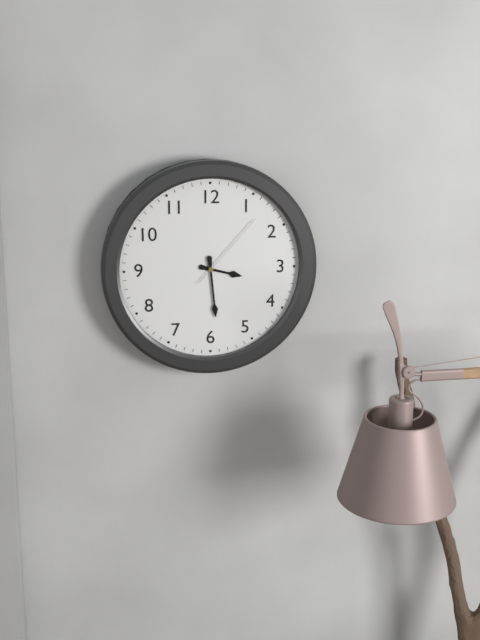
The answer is 3:29:07
